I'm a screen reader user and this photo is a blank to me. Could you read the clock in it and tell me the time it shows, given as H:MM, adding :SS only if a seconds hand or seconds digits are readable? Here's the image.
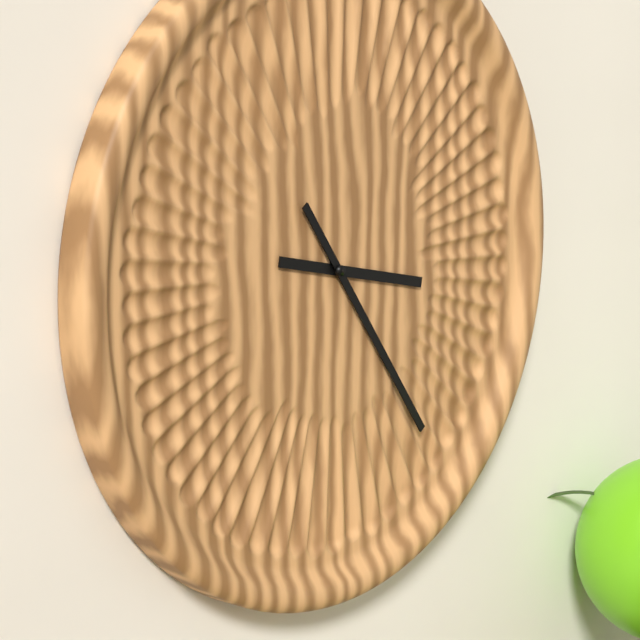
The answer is 3:24
